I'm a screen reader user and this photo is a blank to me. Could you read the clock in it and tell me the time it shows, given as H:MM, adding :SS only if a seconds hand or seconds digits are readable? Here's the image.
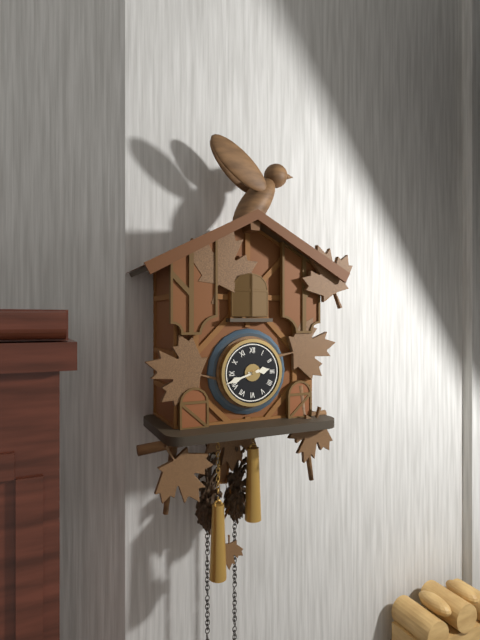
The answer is 2:42
